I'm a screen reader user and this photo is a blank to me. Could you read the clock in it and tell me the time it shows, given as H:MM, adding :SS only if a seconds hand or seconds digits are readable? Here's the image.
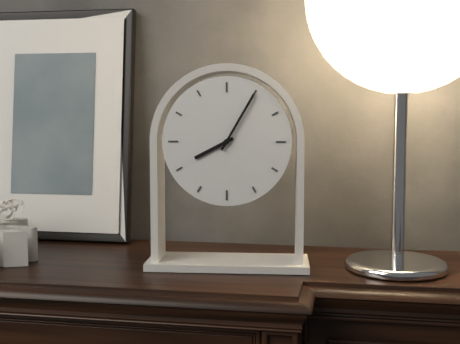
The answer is 8:05
